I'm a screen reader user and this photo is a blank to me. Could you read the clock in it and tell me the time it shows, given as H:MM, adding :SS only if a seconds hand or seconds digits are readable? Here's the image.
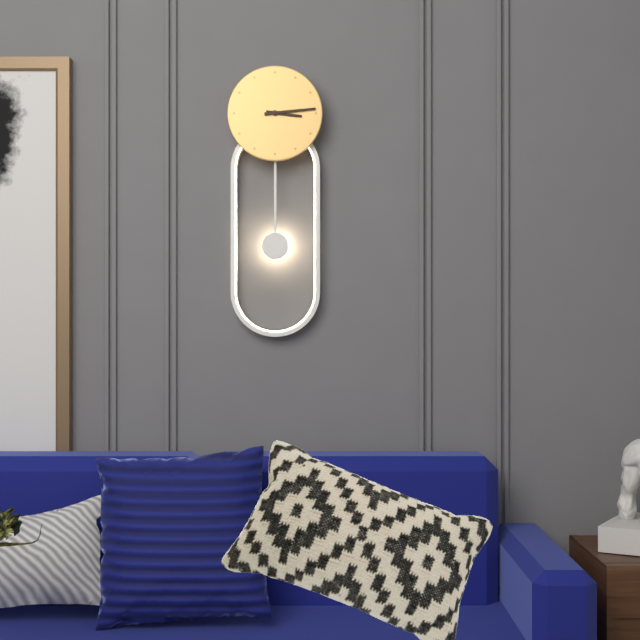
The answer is 3:14
